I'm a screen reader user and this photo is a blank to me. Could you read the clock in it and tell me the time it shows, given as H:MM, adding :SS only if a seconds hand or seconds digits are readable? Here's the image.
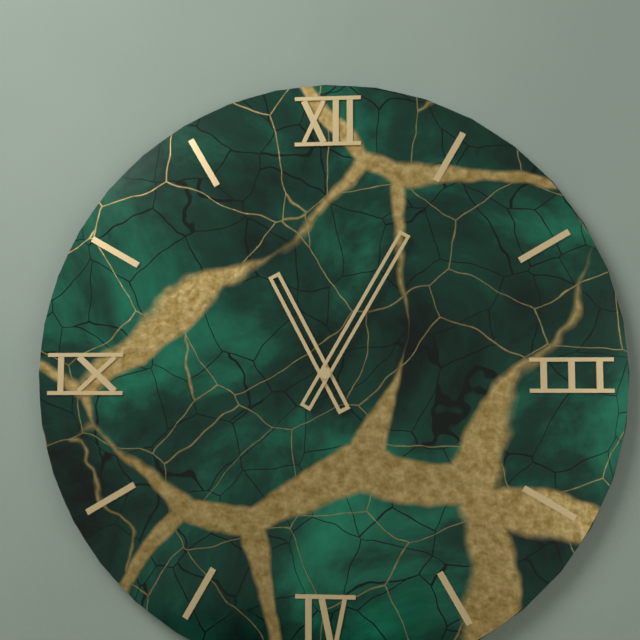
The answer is 11:05
